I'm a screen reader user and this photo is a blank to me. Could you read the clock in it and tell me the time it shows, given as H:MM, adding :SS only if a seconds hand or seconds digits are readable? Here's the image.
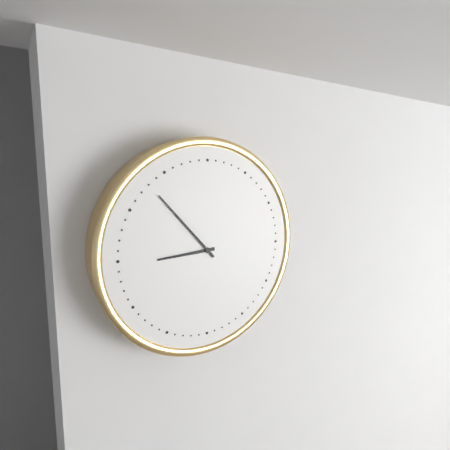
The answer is 8:53
